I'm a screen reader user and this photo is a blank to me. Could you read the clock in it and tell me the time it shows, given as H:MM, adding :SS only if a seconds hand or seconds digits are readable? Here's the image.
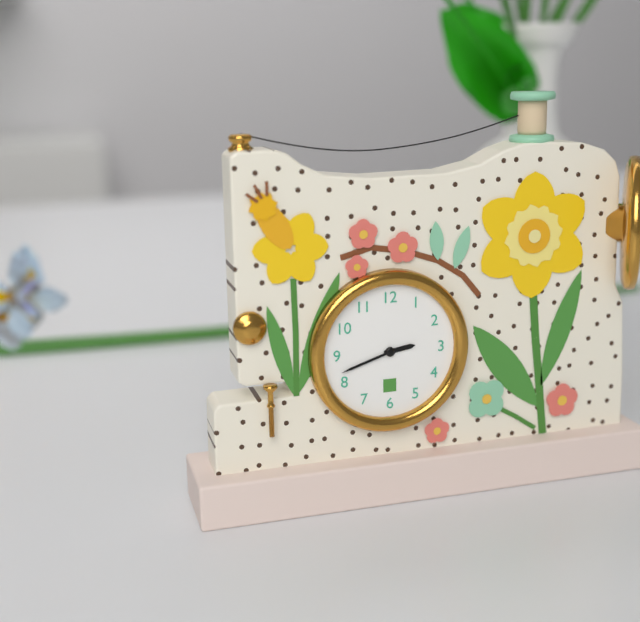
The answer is 2:42
